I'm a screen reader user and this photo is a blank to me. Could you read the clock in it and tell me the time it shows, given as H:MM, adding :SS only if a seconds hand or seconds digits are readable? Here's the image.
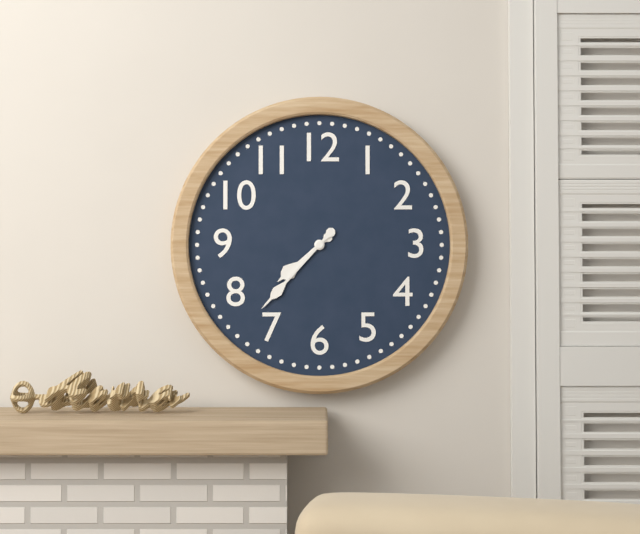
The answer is 7:37
